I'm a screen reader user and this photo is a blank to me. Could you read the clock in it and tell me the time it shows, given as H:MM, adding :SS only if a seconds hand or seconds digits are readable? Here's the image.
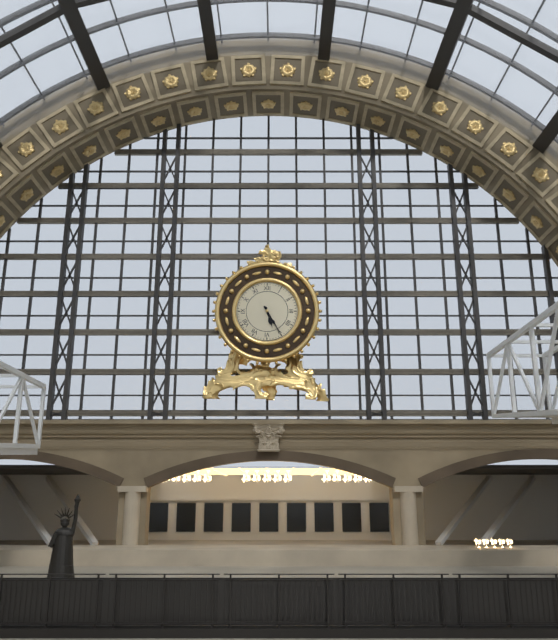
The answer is 5:25
